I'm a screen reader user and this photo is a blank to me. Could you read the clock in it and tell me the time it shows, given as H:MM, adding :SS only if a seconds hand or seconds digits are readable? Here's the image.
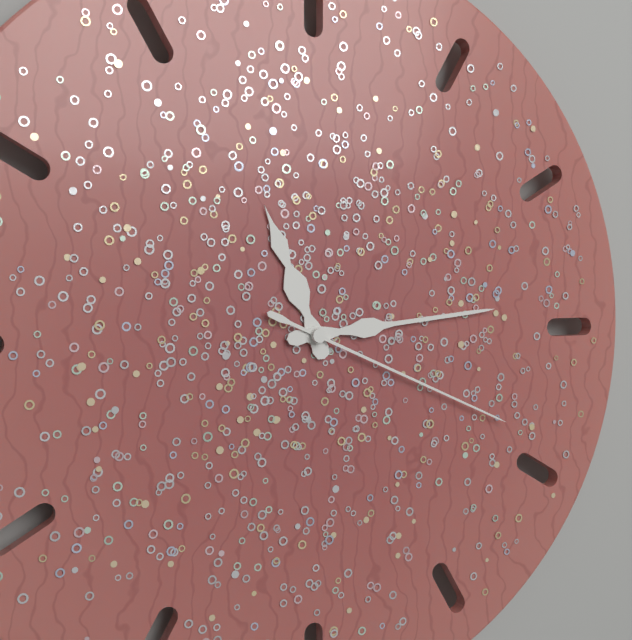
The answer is 11:14:19
